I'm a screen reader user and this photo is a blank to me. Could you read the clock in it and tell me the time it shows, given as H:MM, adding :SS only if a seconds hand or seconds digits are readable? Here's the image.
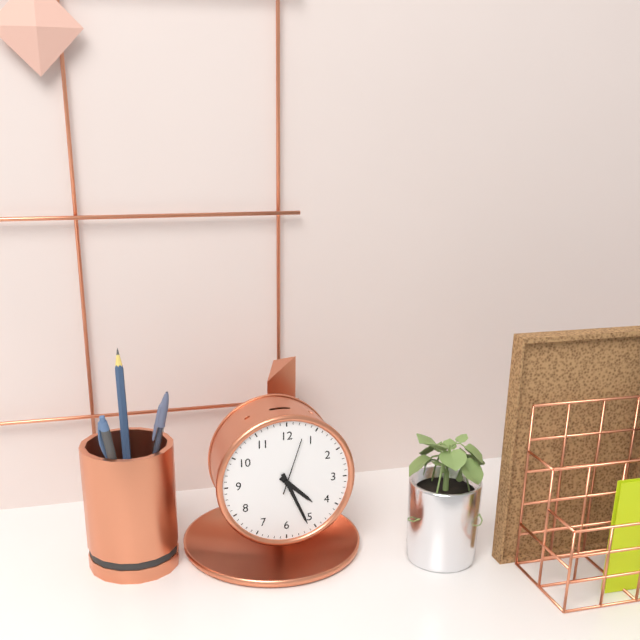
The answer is 4:26:03
